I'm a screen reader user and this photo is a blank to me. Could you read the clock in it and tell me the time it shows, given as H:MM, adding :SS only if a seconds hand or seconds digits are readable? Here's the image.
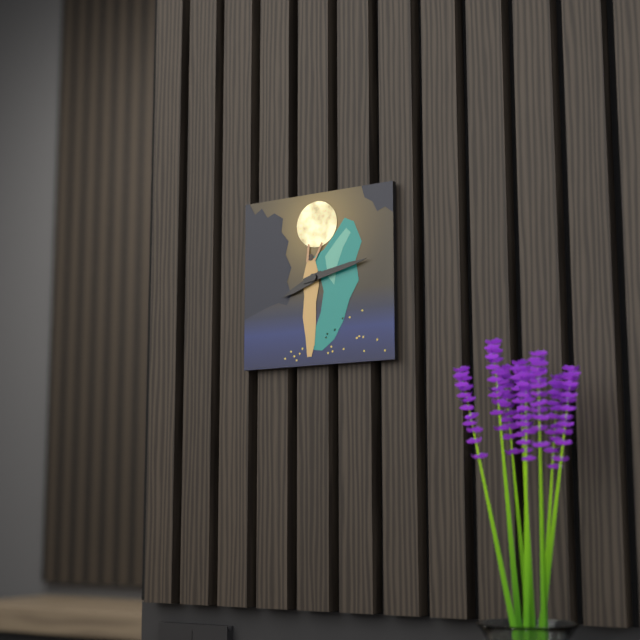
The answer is 8:13
